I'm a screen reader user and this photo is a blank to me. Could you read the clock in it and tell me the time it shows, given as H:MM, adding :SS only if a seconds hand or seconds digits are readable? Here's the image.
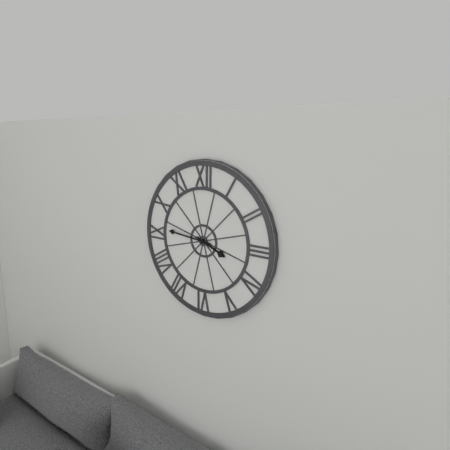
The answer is 3:46
